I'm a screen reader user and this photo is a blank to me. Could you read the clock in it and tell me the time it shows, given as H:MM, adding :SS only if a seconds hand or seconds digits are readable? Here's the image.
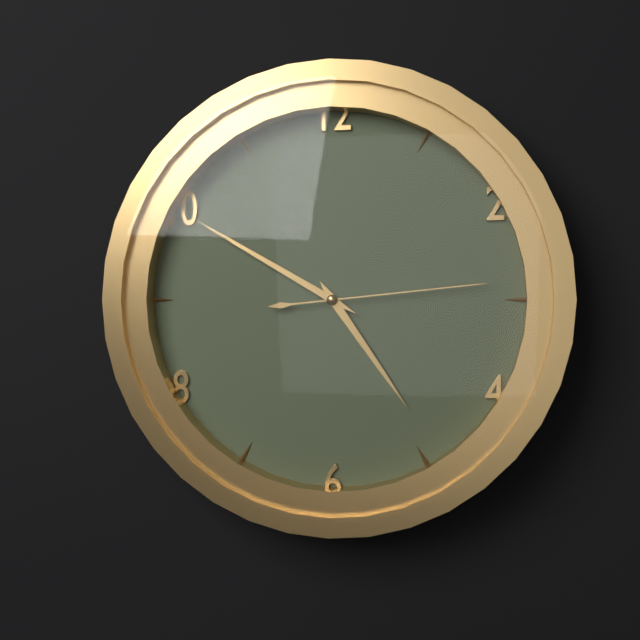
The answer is 4:50:14
